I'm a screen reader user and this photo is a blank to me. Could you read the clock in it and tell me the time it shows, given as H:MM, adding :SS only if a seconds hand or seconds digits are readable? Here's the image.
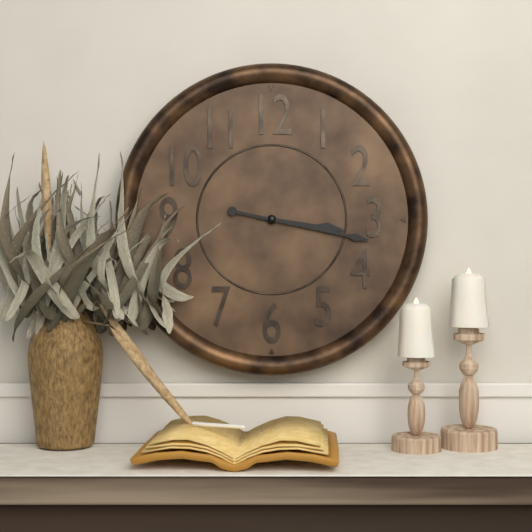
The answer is 3:17
